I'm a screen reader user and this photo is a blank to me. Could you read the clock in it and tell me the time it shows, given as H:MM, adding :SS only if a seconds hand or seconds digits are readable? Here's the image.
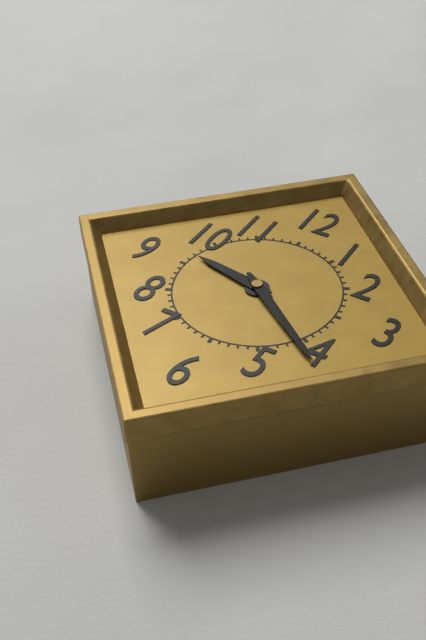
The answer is 9:21
